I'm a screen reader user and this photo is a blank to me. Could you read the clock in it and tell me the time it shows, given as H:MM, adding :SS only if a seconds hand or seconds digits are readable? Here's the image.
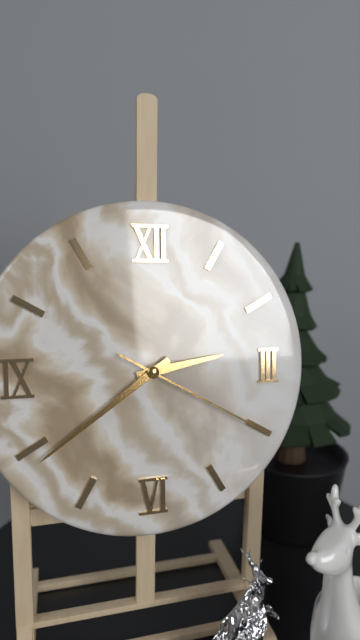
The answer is 2:39:20
